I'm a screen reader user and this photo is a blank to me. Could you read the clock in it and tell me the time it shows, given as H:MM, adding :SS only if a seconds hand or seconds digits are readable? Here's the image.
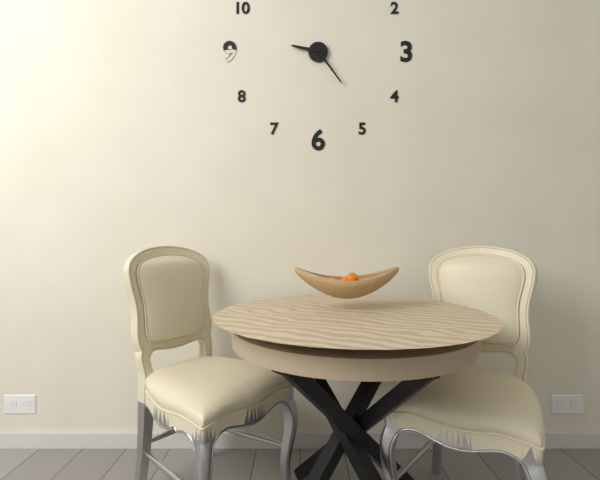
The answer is 9:24
